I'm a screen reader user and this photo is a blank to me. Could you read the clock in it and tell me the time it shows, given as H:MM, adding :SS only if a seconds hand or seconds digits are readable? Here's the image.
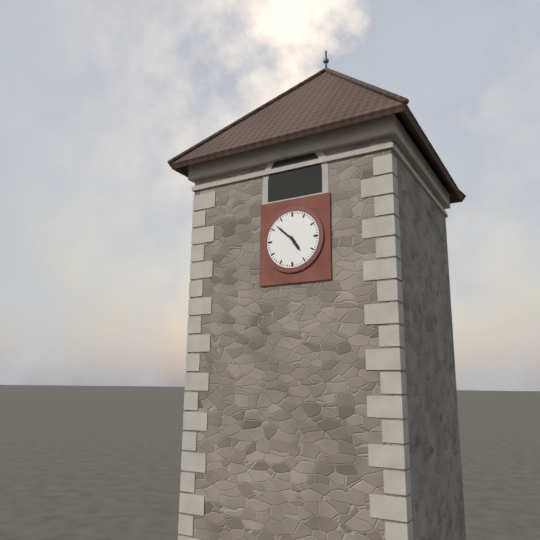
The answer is 4:52
